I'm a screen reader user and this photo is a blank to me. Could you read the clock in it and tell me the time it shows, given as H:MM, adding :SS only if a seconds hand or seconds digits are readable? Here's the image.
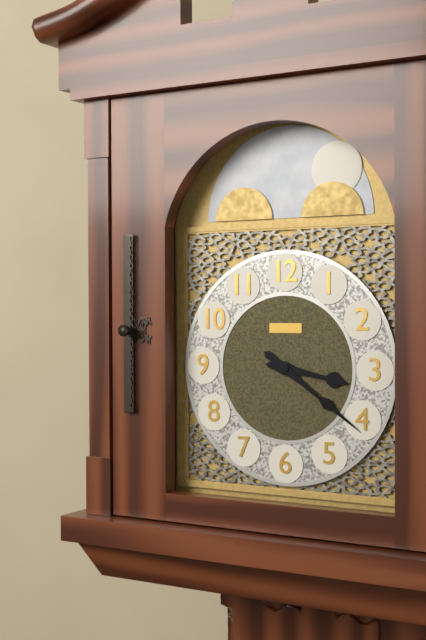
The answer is 3:21
